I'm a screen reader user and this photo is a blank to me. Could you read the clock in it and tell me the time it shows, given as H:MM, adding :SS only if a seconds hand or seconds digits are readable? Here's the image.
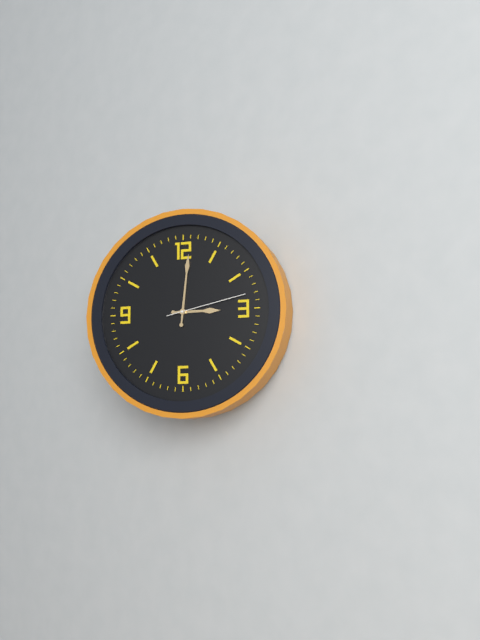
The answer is 3:01:13
